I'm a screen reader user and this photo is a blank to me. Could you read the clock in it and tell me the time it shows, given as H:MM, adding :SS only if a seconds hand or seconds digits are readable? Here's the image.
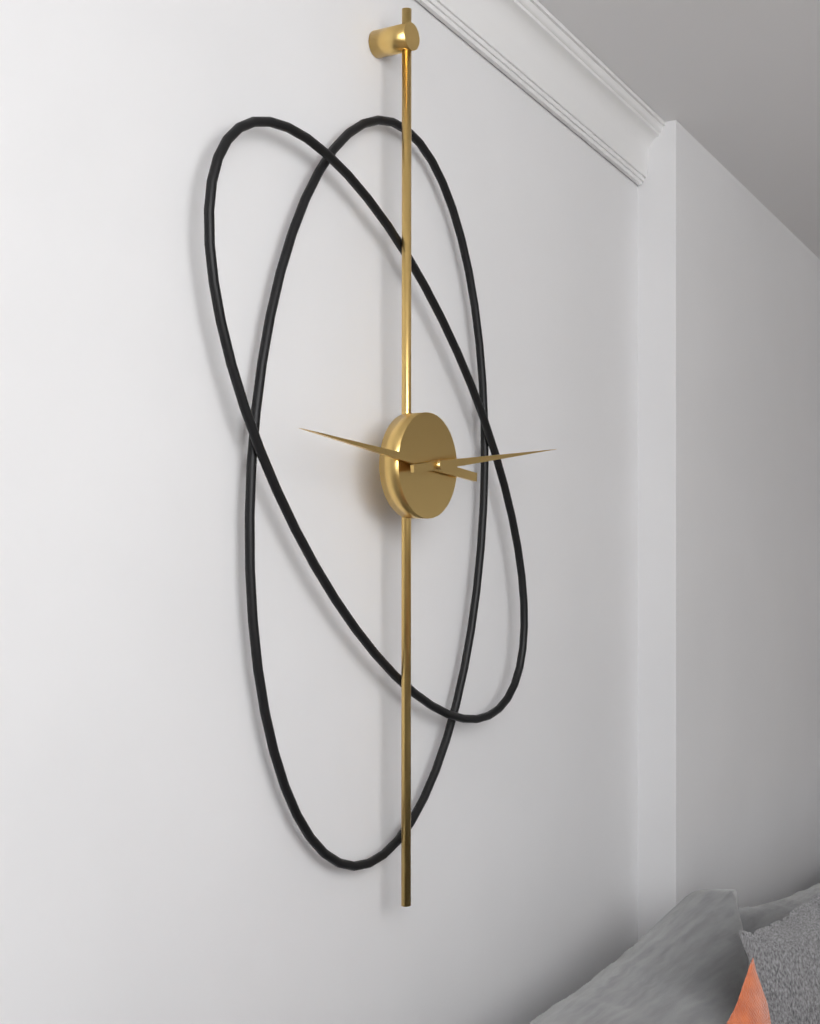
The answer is 9:14
